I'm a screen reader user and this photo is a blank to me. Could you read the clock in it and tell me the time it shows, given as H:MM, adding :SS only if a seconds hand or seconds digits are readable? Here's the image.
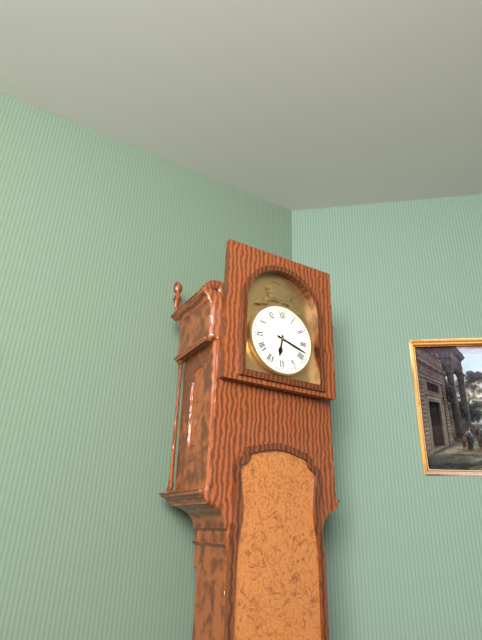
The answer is 6:18
